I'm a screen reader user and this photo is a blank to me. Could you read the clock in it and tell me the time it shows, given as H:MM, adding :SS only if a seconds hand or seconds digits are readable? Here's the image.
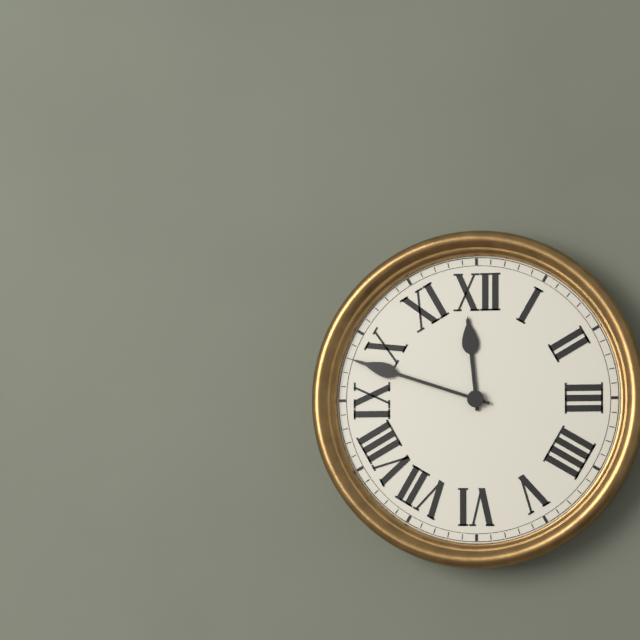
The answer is 11:48
